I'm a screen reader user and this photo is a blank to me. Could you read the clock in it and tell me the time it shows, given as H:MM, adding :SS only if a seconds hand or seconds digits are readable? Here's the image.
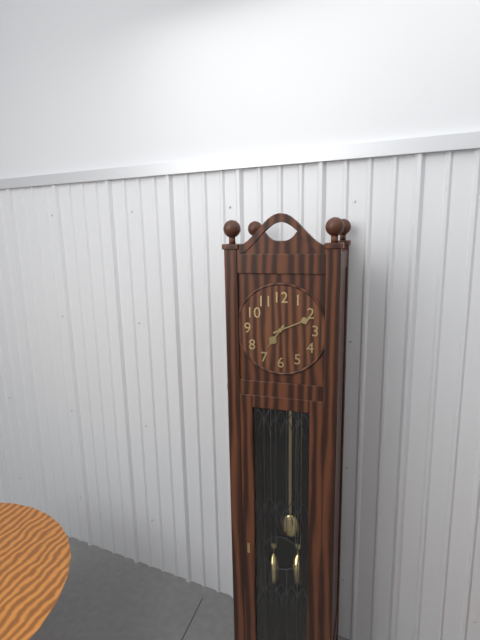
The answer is 7:11
